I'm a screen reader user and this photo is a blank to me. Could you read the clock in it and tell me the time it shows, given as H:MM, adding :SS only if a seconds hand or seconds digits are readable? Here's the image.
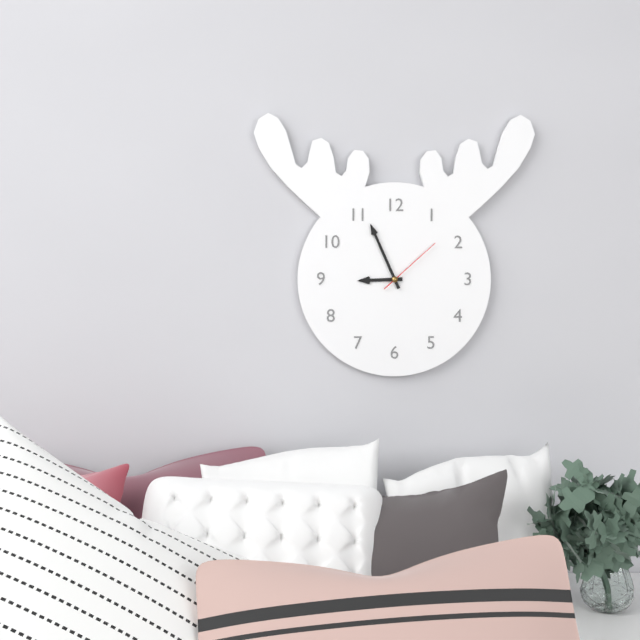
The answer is 8:56:08
